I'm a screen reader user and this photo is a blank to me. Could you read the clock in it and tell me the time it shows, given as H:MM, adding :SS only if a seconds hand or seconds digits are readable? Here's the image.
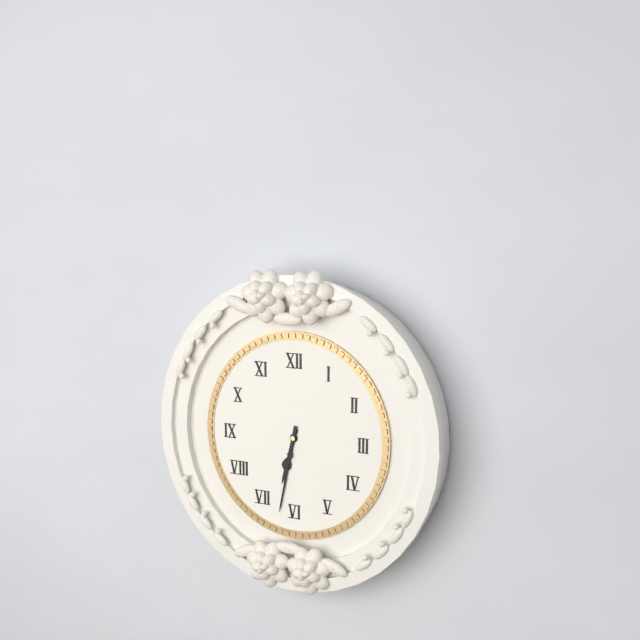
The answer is 6:32
